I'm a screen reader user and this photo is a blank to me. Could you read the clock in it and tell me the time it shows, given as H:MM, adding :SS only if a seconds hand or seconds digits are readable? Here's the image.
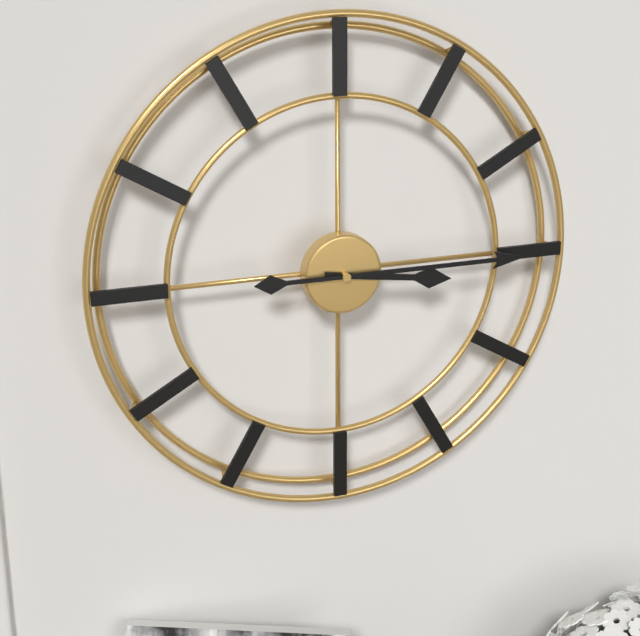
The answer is 3:15
